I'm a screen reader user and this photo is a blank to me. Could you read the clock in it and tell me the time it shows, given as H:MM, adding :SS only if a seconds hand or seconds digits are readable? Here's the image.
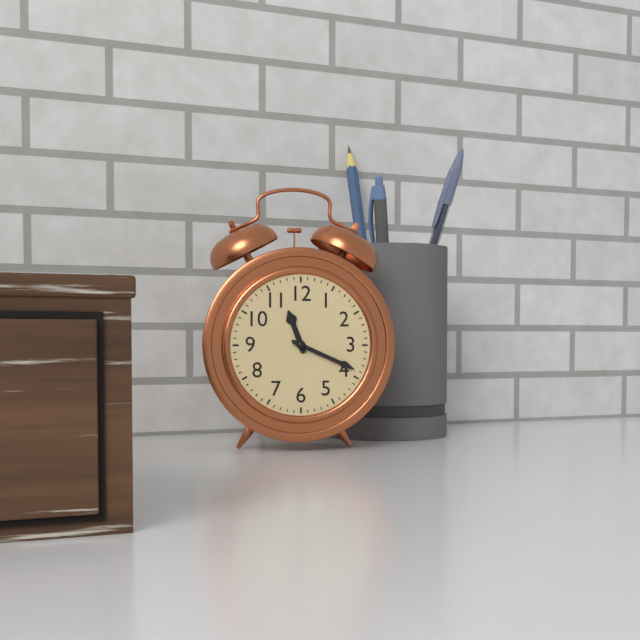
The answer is 11:19
